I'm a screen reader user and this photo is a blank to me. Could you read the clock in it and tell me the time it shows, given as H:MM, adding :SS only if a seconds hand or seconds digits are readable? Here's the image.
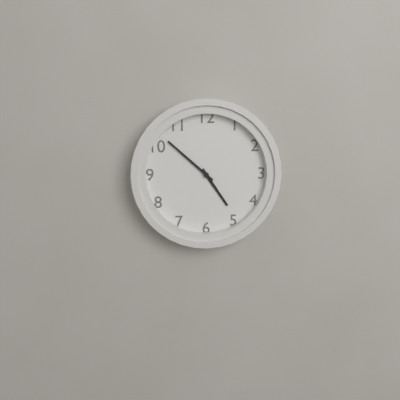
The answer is 4:52
